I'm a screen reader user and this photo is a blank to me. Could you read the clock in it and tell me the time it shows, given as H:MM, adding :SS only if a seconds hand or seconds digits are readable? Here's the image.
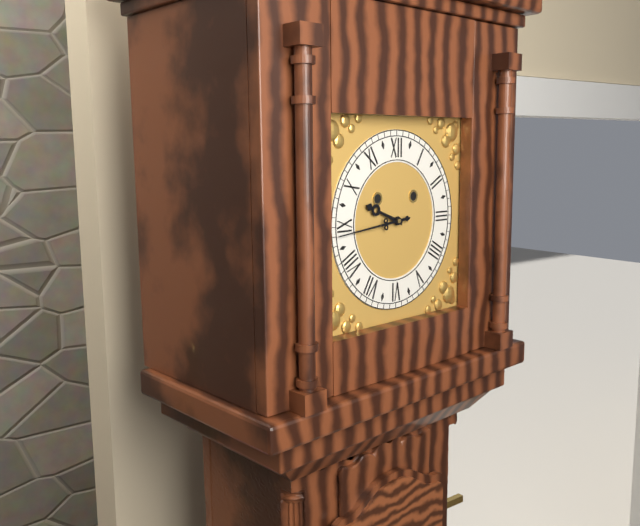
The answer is 9:44
